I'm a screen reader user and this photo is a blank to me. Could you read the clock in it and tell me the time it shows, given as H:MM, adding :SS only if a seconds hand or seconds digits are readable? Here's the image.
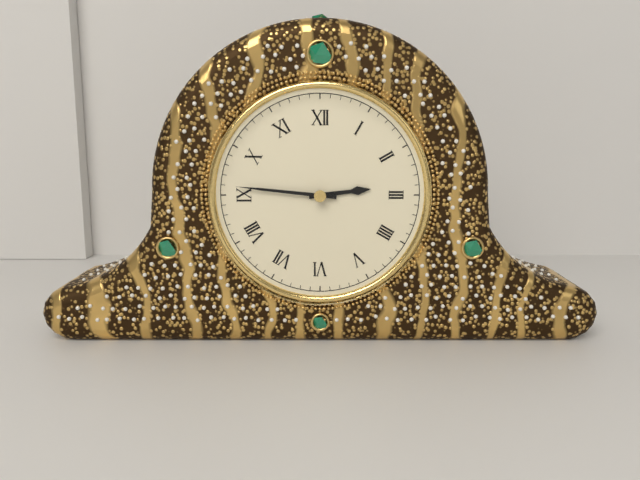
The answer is 2:46
